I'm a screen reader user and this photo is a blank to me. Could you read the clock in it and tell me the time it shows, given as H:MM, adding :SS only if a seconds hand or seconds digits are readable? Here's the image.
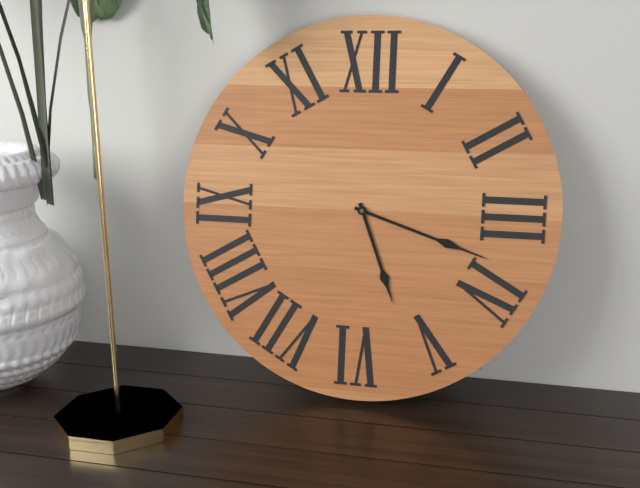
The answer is 5:18
